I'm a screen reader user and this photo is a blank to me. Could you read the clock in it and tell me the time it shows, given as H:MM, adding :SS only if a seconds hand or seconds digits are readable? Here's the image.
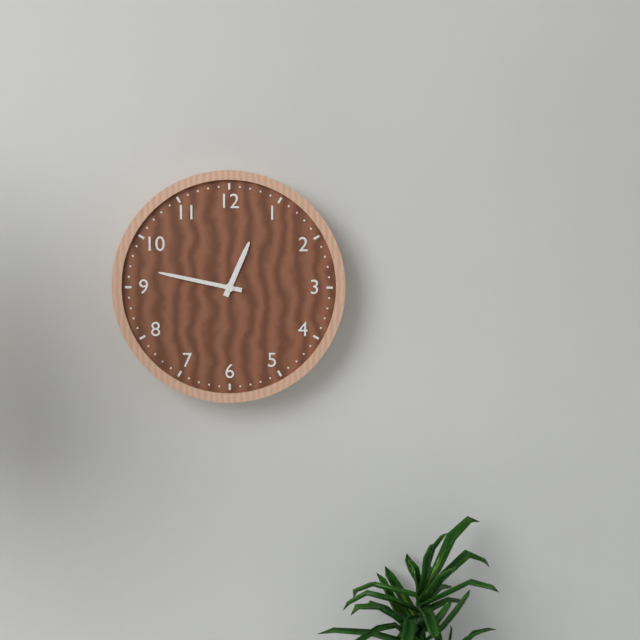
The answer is 12:47
